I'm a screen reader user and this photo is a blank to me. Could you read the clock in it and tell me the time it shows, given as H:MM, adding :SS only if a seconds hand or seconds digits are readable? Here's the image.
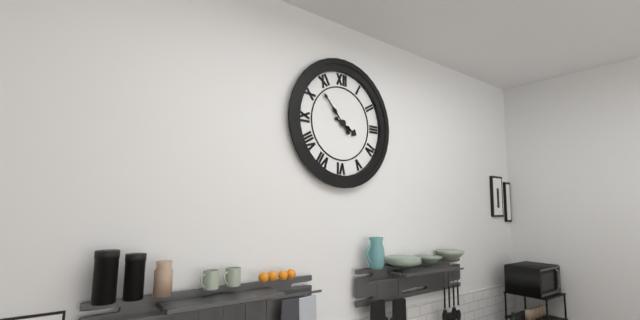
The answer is 3:53
